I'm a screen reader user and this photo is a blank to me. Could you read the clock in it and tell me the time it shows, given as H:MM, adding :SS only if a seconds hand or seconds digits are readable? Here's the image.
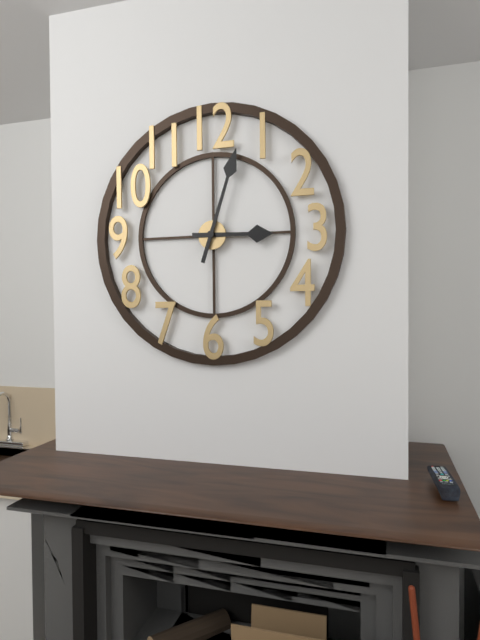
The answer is 3:03
